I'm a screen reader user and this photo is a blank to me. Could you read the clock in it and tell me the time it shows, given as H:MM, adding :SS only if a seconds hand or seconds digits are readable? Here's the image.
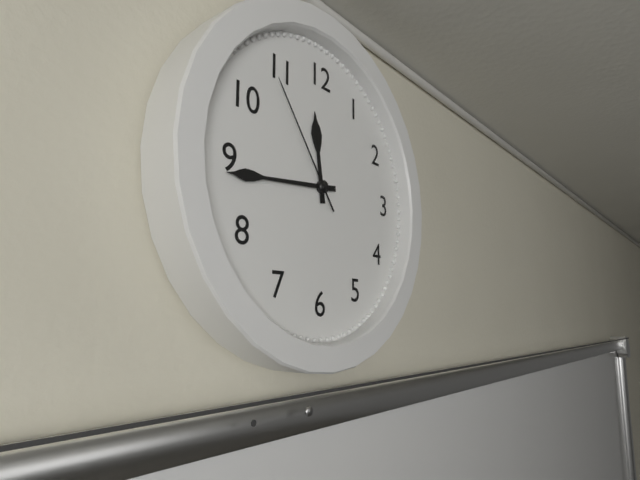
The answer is 11:44:54
